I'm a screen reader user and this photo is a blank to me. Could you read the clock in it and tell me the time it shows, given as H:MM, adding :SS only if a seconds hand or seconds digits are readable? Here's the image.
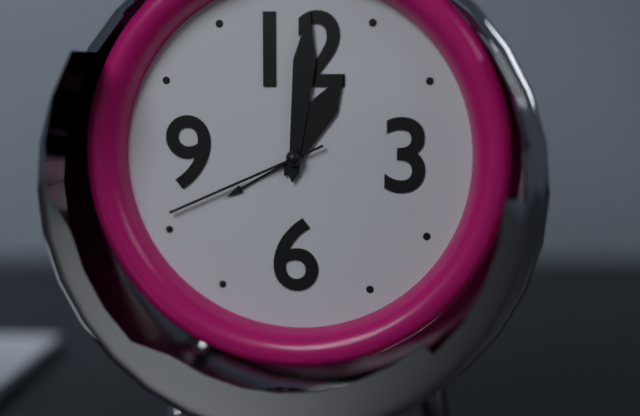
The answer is 1:01:41
